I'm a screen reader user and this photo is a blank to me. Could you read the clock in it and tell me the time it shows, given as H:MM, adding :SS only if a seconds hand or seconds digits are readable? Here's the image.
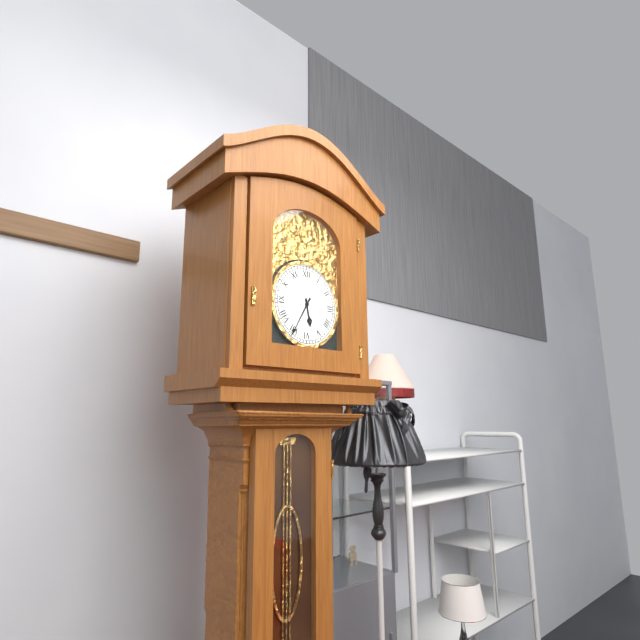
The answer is 5:35
